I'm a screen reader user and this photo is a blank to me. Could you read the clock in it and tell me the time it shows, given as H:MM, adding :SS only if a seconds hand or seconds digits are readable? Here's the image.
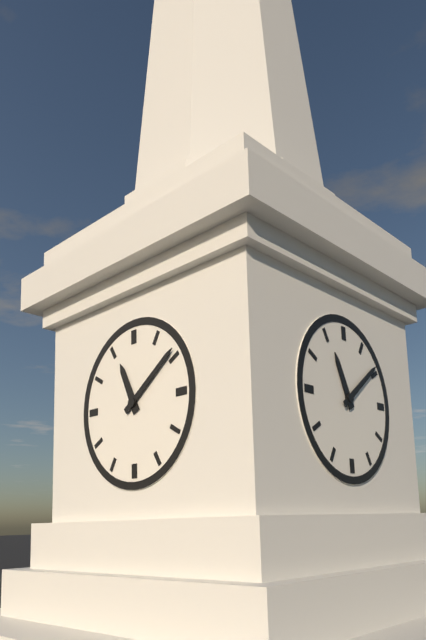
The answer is 11:09
